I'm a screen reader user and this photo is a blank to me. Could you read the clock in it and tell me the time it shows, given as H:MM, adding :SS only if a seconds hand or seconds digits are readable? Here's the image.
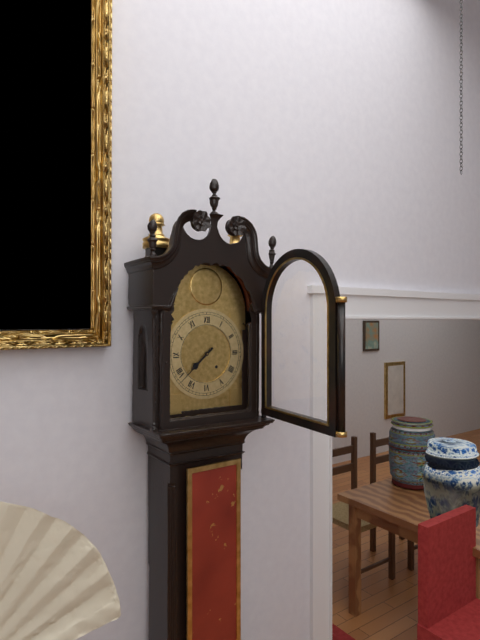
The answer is 7:38
